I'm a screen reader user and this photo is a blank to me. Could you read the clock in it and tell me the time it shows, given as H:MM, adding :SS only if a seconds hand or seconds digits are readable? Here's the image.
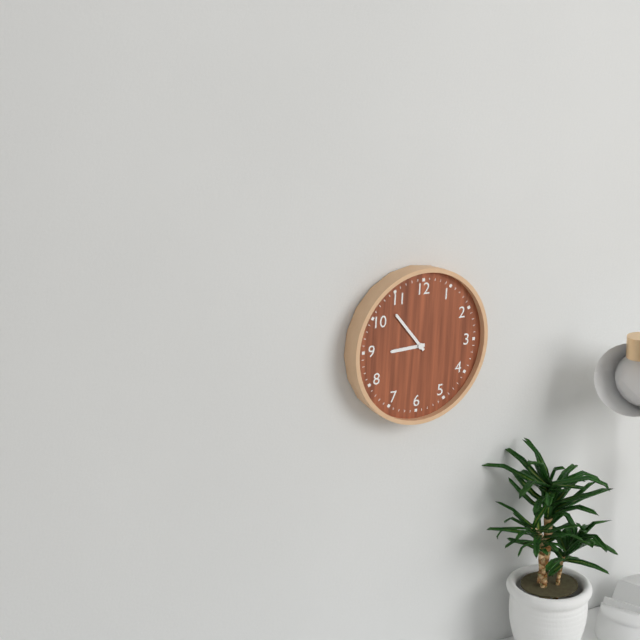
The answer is 8:53
